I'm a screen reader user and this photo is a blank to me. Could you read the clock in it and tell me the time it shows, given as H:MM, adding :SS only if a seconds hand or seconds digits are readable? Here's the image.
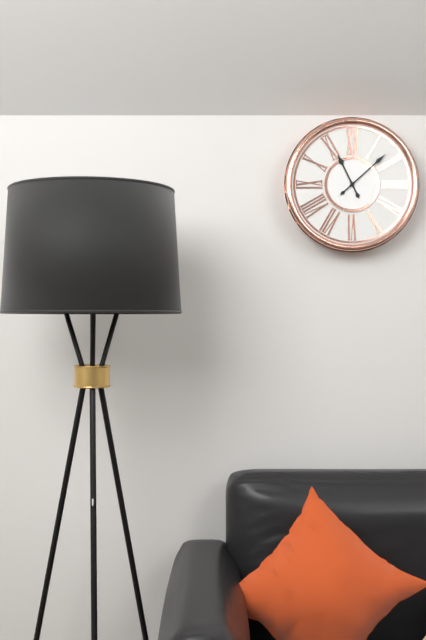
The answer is 11:08
